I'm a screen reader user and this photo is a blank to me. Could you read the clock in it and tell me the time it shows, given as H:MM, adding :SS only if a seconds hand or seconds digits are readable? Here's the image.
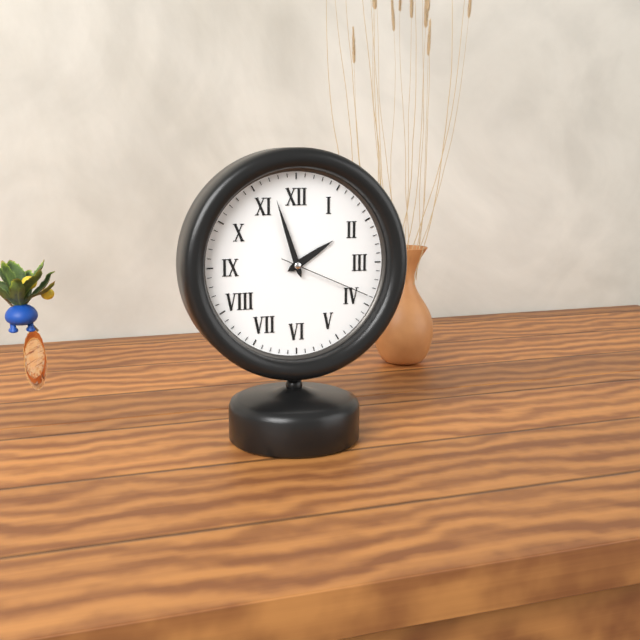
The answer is 1:57:19
